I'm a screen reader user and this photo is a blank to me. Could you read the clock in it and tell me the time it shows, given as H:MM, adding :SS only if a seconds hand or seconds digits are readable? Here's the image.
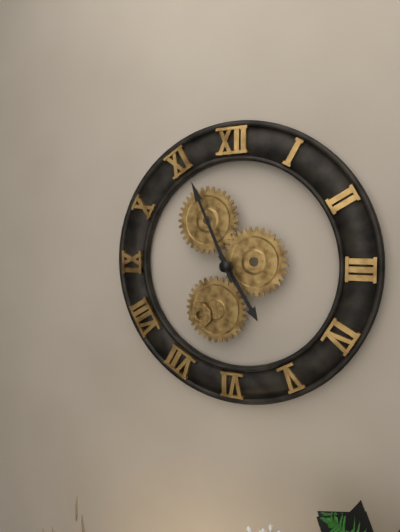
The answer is 4:56
